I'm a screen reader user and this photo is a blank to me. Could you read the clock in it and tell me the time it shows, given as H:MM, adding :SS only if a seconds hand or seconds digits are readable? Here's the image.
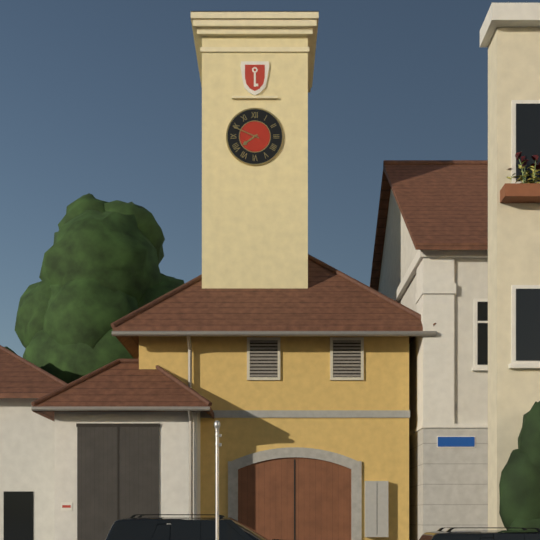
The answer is 7:49
